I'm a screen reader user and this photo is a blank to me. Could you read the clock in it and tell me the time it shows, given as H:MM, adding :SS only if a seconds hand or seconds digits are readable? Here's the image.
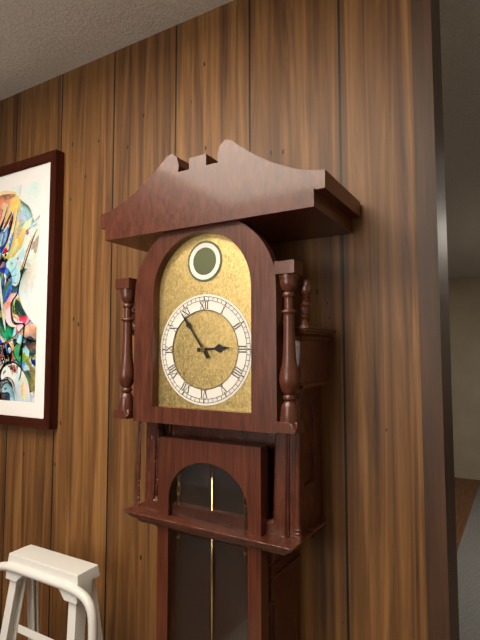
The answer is 2:54
